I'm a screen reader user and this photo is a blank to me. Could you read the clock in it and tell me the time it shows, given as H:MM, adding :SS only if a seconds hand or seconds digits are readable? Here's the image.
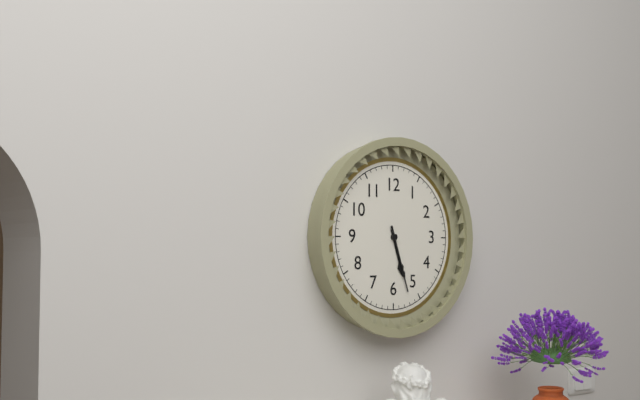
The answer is 5:27
